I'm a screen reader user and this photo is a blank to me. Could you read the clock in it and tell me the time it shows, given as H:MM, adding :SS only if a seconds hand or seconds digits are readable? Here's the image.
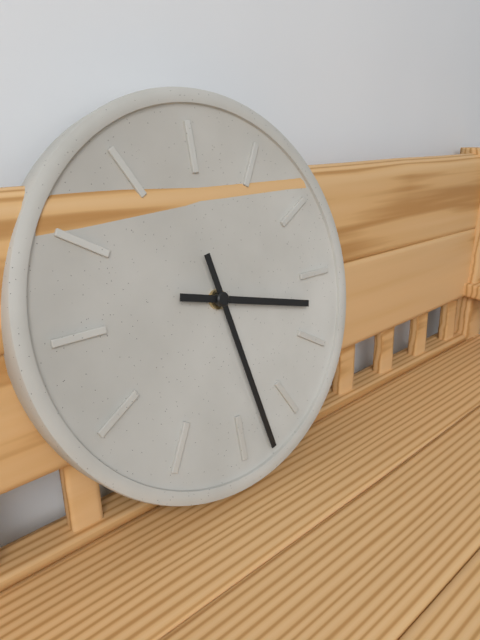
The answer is 3:28
